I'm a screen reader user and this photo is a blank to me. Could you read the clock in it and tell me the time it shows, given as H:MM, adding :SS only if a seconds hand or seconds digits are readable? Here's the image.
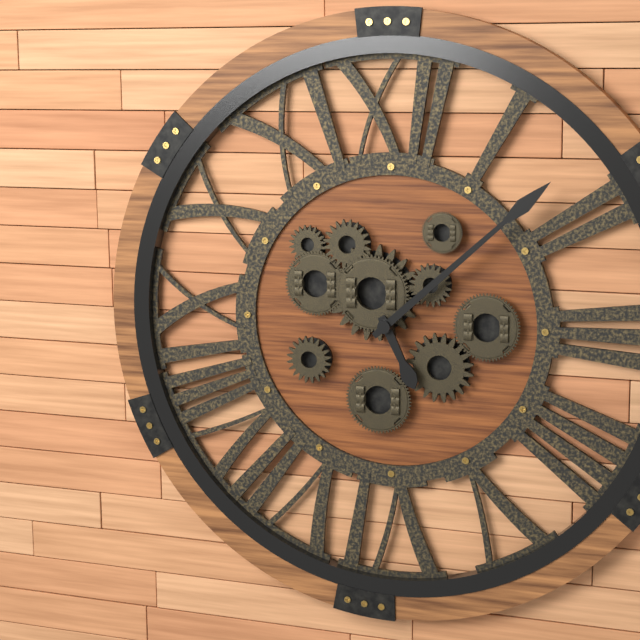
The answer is 5:08
